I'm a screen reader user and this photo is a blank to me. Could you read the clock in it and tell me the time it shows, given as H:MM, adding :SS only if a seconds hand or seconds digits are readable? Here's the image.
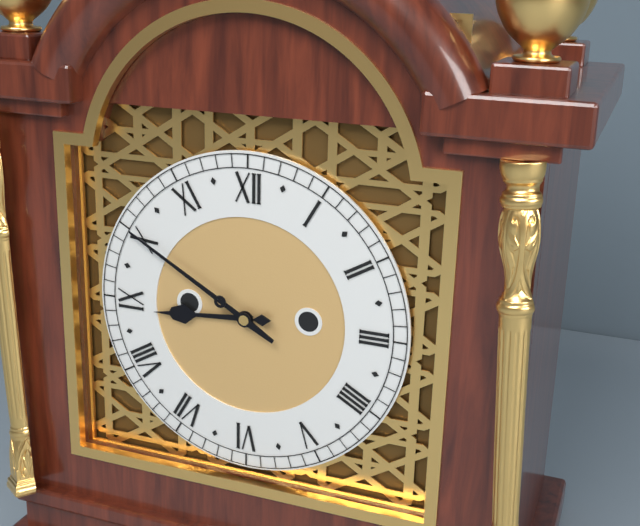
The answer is 8:50
